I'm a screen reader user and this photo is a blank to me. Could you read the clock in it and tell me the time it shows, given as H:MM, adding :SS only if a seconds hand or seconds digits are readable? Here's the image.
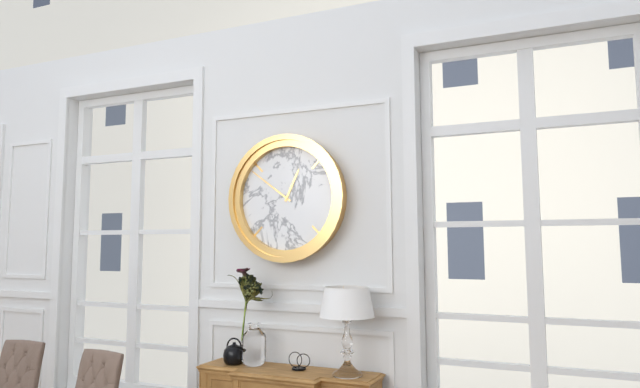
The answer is 12:51
